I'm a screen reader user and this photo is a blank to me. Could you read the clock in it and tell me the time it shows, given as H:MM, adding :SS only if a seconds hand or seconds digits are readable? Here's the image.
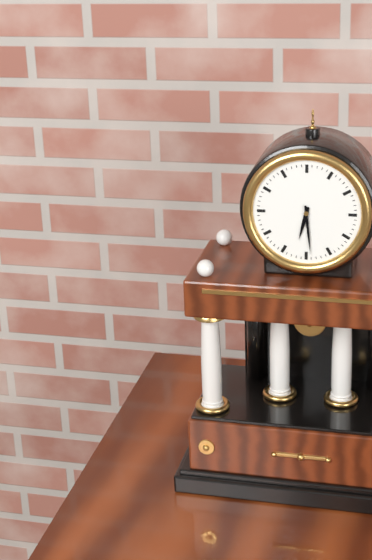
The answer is 6:29
